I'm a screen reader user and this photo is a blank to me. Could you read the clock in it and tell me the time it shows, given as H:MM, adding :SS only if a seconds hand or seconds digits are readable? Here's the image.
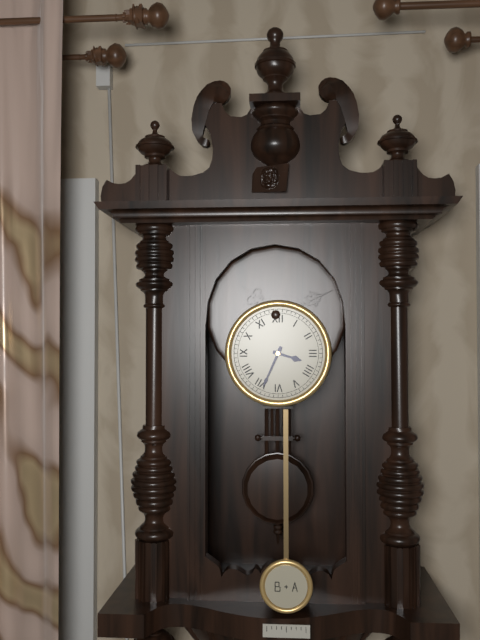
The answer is 3:34
